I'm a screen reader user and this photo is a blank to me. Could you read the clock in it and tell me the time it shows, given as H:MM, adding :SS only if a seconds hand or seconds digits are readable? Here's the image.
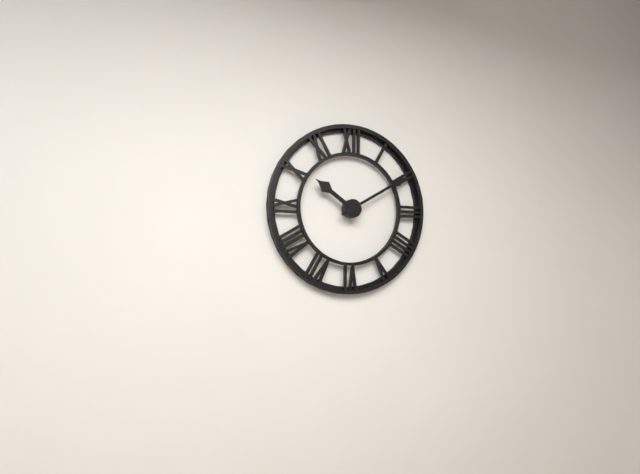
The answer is 10:10
